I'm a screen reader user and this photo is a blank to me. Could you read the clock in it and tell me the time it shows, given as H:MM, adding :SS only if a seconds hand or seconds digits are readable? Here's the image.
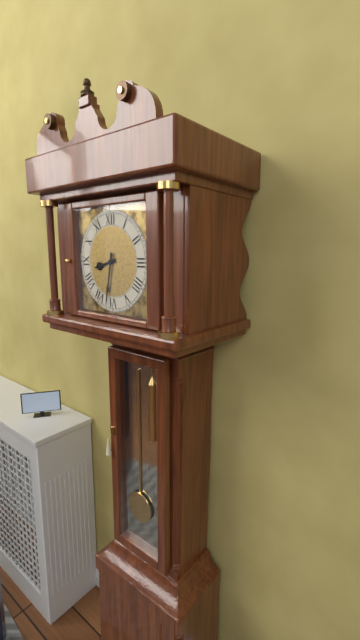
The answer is 8:32
